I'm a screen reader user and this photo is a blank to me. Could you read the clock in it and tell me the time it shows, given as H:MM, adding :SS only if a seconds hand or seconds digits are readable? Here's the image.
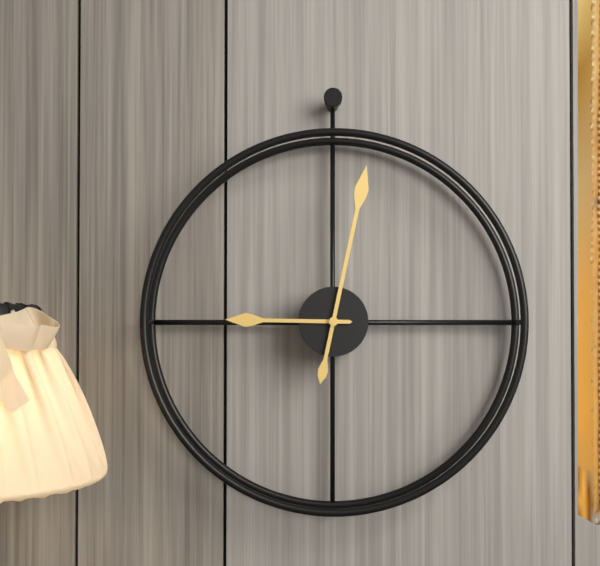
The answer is 9:02
